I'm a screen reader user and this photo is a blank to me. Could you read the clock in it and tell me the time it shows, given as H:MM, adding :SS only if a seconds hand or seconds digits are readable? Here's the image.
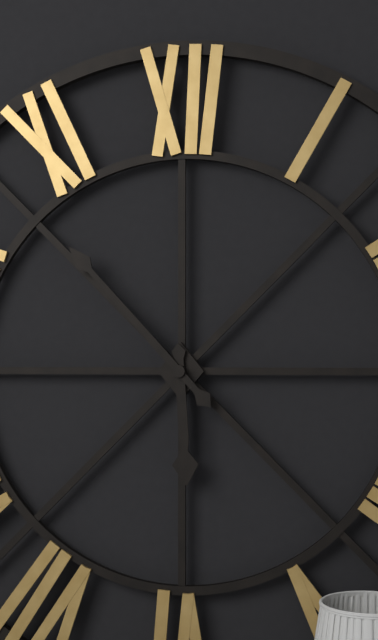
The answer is 5:53
